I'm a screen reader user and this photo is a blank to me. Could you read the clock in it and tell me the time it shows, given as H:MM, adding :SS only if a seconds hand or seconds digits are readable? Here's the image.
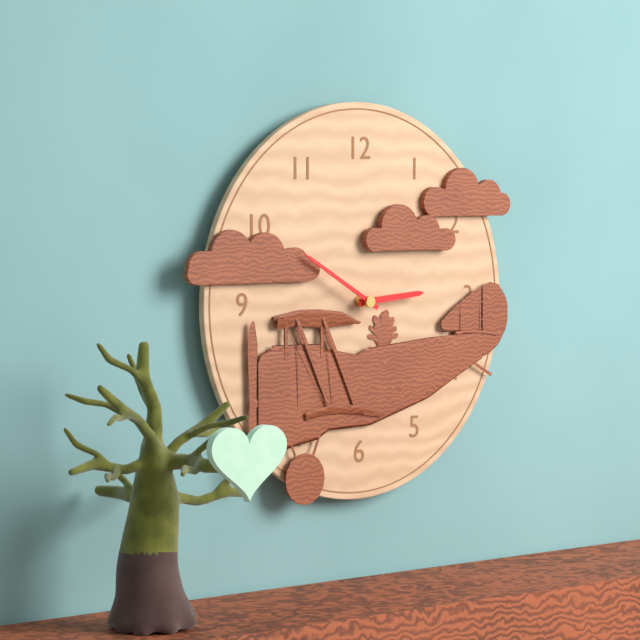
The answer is 2:50
